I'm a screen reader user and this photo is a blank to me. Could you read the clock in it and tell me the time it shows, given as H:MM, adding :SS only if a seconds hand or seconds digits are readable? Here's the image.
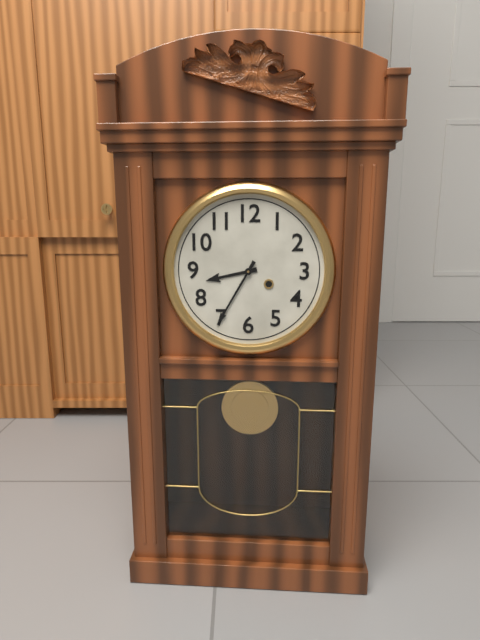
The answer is 8:35
